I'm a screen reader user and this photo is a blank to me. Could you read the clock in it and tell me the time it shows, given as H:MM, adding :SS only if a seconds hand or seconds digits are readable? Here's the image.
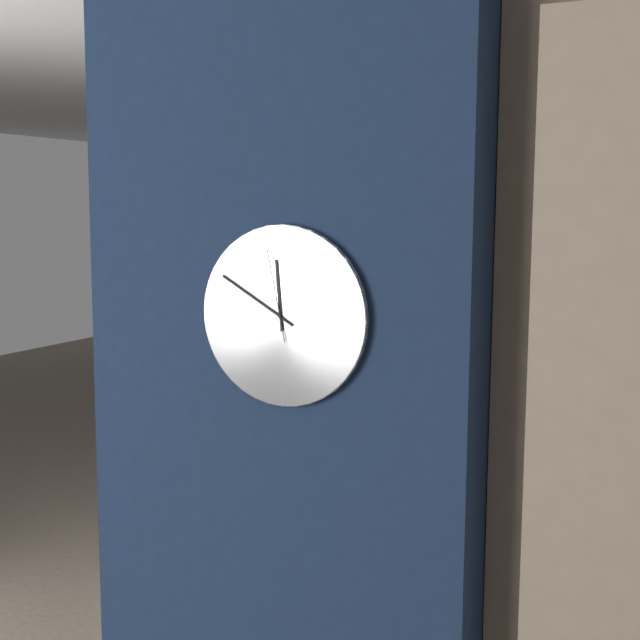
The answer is 11:50:58
